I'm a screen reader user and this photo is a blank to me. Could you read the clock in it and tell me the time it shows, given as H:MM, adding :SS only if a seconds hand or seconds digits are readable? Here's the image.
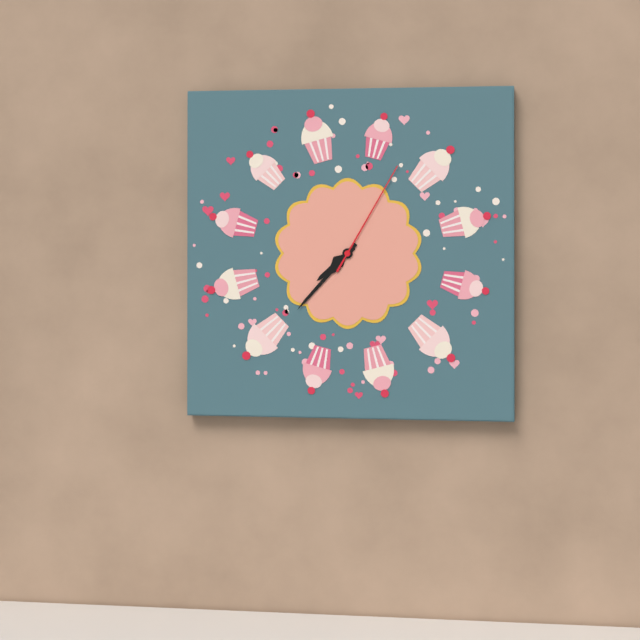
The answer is 7:37:05
